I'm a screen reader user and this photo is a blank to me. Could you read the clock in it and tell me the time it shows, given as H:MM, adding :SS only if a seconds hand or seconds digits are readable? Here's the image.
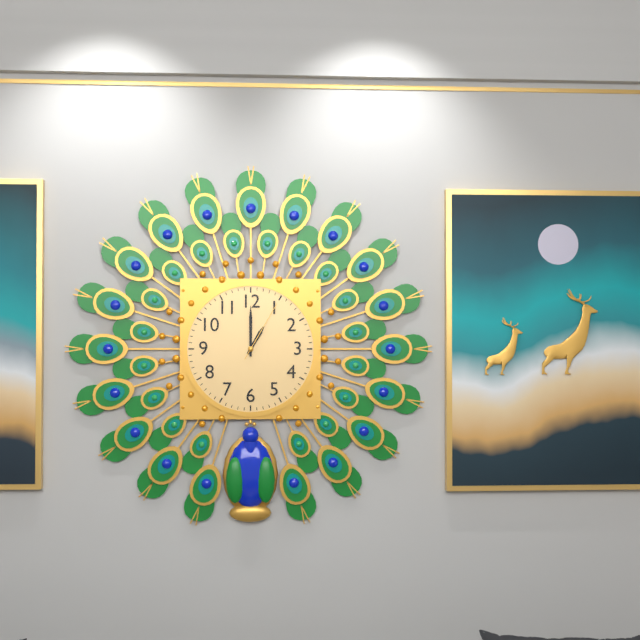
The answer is 1:00:05
